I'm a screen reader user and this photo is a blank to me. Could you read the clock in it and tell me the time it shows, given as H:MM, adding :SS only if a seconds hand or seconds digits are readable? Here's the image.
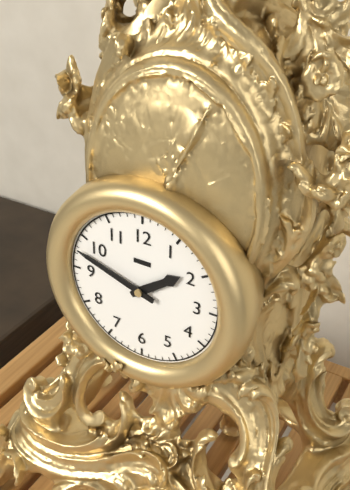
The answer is 1:48
